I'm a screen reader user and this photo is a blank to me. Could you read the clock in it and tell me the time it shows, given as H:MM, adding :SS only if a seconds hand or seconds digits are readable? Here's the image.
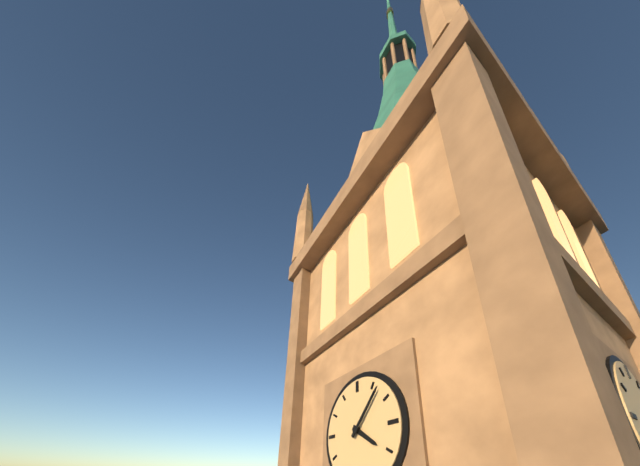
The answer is 4:07
